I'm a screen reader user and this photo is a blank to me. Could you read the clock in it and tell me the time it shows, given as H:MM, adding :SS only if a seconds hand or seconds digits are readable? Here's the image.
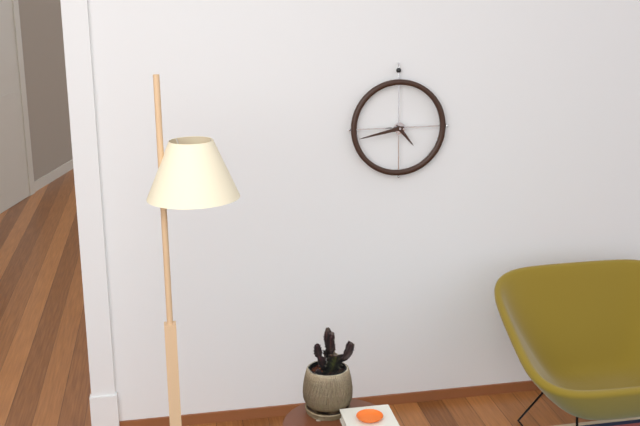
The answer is 4:43
